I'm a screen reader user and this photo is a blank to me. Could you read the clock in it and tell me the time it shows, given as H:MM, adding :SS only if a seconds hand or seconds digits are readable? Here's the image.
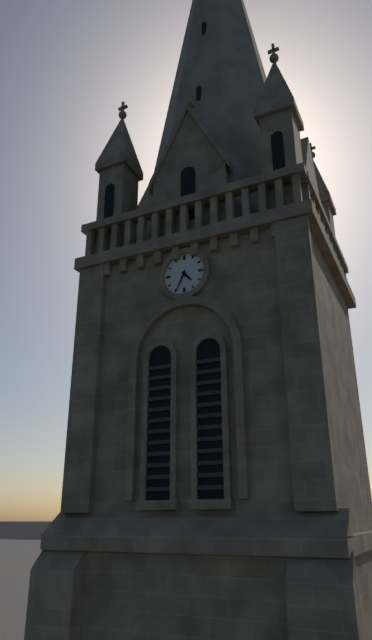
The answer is 4:34
